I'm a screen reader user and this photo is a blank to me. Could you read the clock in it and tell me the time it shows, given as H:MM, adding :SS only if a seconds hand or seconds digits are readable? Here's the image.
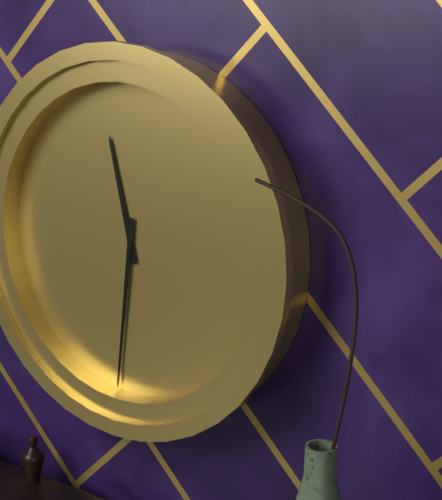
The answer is 11:31
